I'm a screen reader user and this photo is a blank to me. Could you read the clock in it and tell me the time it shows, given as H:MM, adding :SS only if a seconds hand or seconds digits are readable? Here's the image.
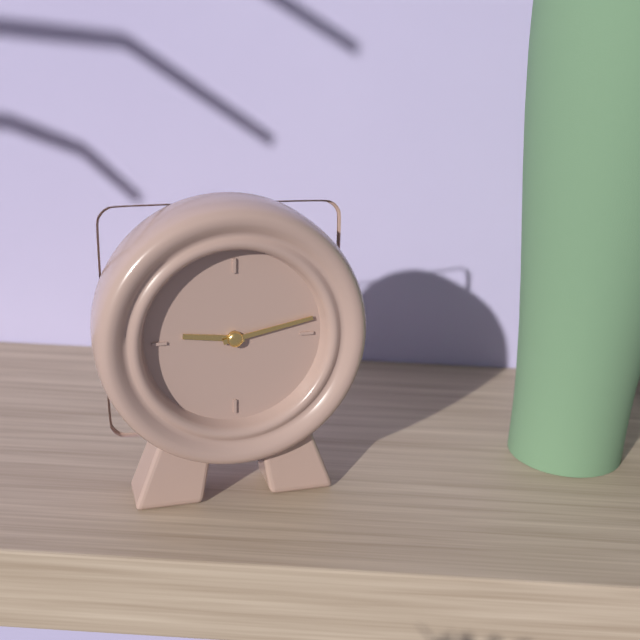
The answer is 9:13
